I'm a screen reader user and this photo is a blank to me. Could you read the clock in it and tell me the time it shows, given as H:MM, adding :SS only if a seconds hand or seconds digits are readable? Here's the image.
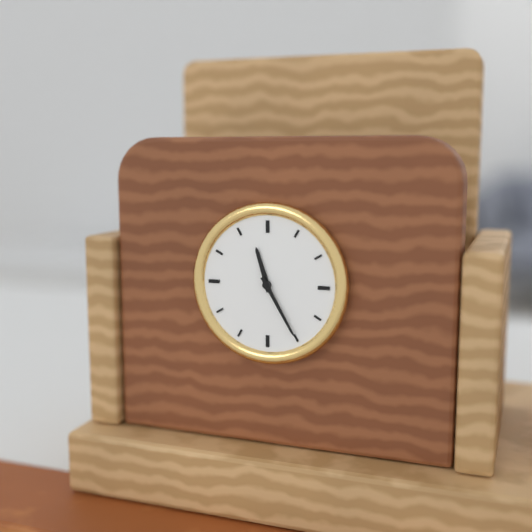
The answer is 11:25
